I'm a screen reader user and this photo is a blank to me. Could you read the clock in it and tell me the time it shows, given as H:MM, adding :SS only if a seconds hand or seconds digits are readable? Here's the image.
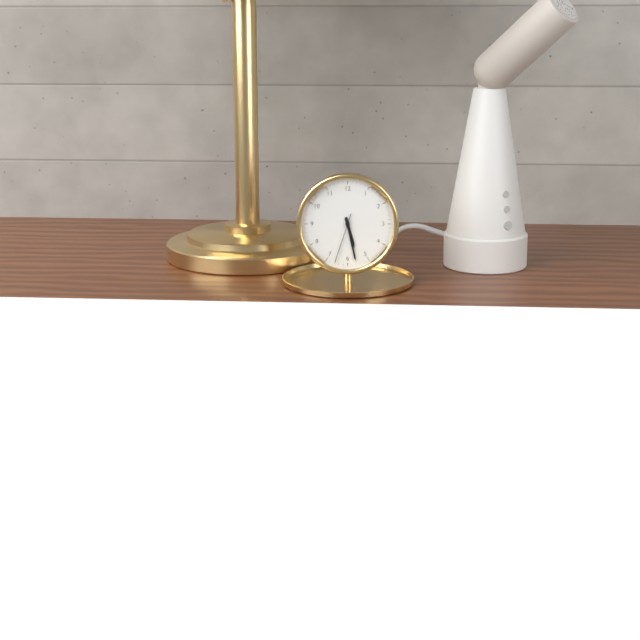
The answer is 5:28:33
